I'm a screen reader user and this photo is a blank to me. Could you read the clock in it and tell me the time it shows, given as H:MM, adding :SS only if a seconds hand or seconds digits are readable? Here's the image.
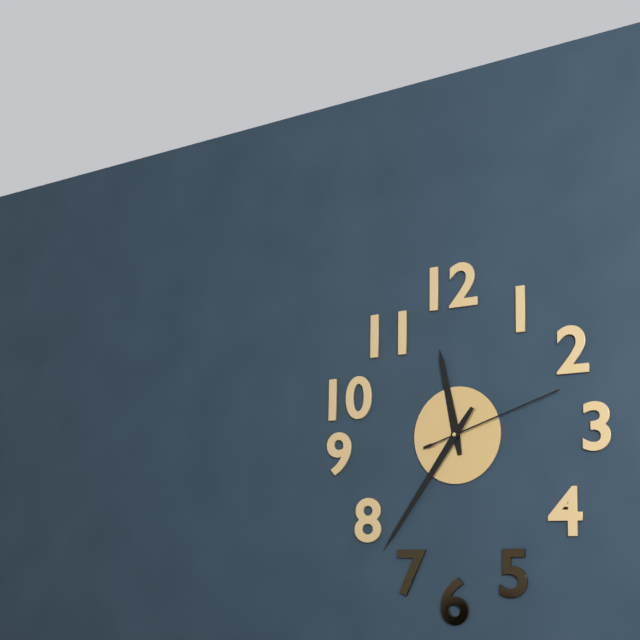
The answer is 11:36:12
